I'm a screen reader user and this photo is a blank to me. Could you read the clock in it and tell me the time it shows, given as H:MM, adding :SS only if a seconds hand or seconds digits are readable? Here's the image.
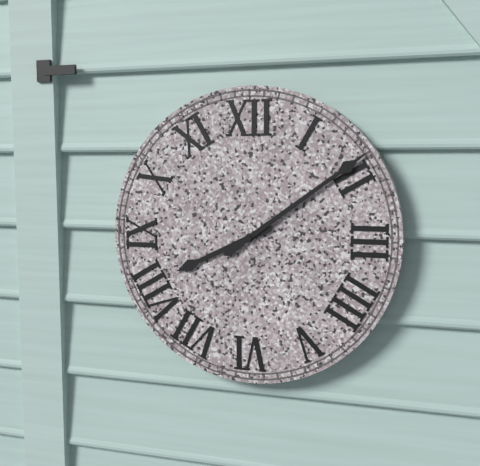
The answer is 8:09
